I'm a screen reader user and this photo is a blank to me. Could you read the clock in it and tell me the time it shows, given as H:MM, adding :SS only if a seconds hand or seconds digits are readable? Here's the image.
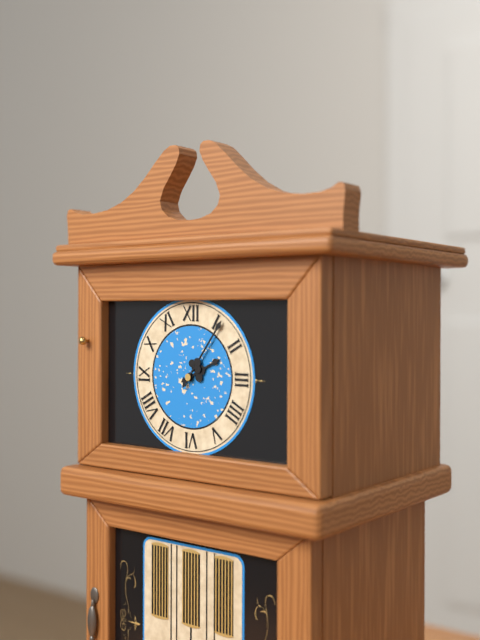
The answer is 2:06
